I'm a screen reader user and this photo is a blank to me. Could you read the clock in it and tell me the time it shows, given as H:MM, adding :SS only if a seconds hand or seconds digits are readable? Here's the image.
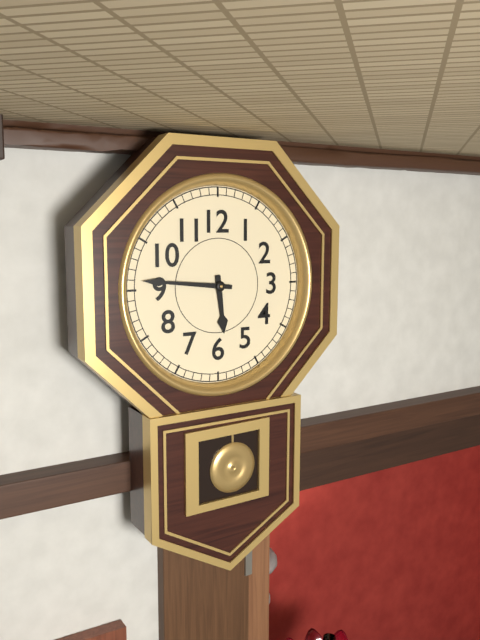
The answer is 5:46
